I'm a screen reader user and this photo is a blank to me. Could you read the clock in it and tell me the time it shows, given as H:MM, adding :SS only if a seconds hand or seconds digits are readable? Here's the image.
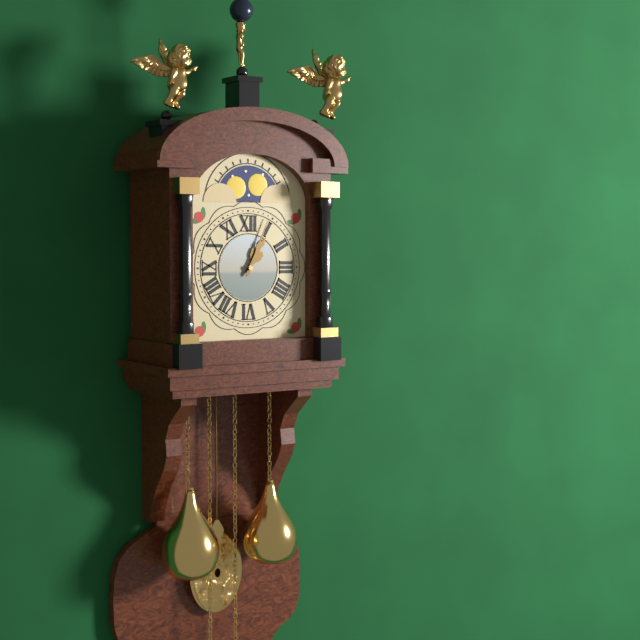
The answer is 1:04
